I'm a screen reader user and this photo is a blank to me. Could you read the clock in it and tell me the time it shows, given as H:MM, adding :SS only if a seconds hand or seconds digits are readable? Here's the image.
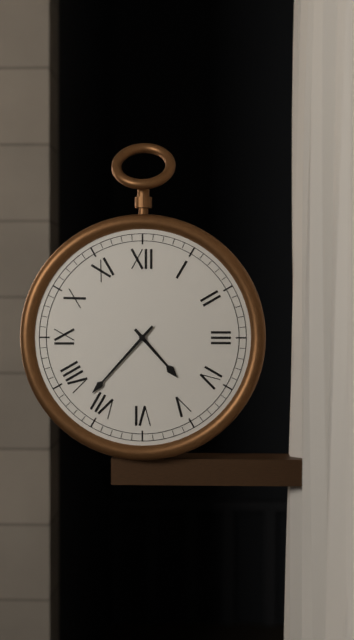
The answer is 4:37
